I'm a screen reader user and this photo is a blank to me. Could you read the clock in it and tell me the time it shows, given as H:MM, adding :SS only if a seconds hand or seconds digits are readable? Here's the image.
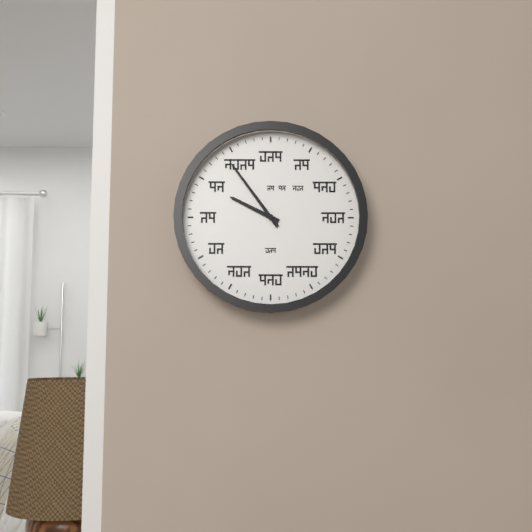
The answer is 9:54
